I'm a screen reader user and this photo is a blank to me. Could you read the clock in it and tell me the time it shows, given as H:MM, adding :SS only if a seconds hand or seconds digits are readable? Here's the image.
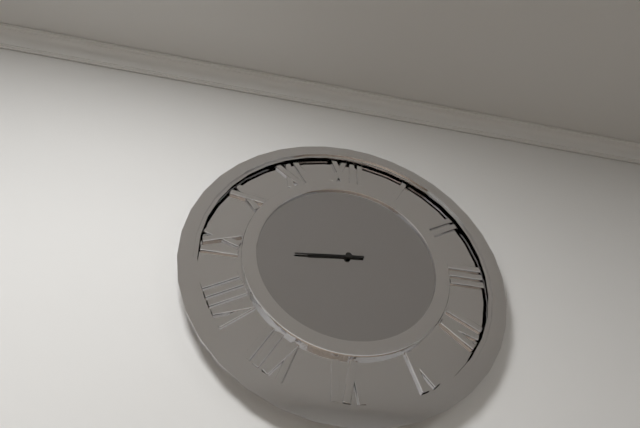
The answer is 8:44
